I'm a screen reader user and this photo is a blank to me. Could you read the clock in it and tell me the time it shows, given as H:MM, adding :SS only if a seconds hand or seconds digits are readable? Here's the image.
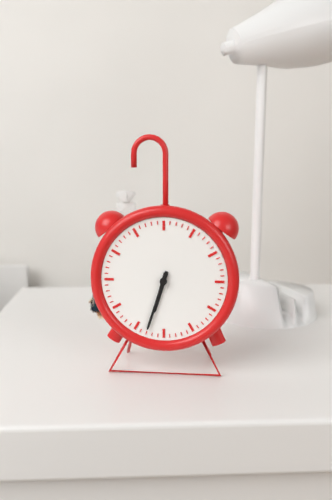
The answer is 6:33
